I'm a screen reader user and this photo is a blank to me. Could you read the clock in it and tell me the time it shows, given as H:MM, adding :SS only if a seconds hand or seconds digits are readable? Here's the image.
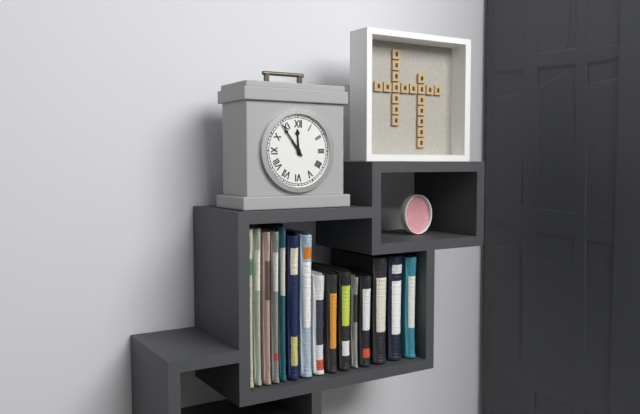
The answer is 11:54
